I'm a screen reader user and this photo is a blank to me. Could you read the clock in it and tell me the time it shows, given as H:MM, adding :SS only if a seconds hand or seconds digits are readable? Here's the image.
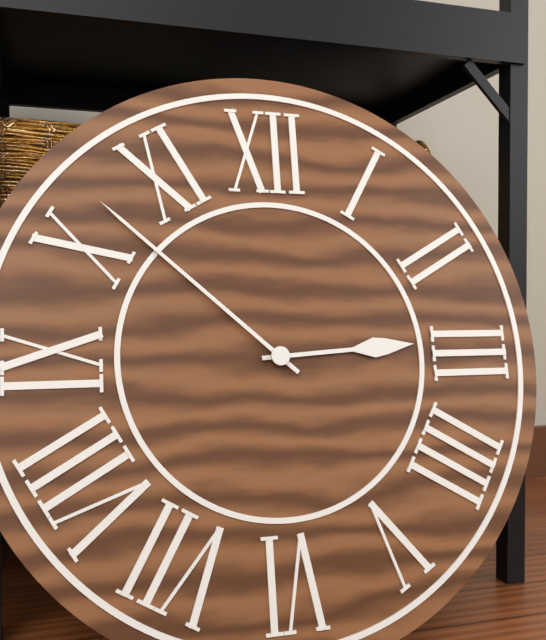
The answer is 2:52
